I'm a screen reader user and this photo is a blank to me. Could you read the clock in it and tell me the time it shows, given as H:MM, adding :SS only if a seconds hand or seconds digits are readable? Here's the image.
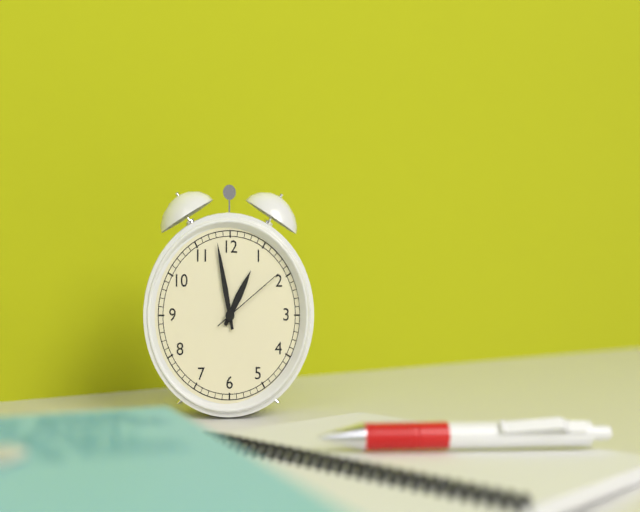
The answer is 12:58:09
